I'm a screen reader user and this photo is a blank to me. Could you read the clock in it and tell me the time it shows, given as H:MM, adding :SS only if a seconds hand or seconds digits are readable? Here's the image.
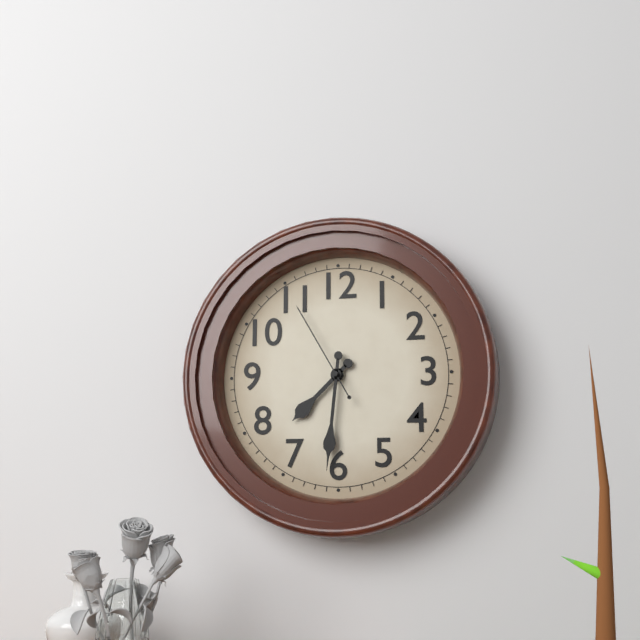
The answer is 7:31:55
